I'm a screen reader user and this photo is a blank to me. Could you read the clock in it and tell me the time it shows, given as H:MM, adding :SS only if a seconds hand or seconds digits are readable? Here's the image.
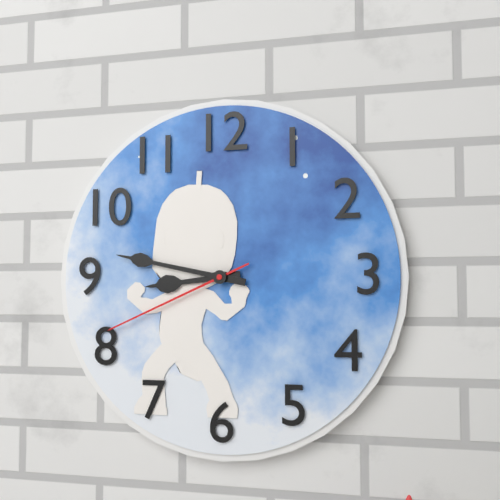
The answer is 8:47:41
